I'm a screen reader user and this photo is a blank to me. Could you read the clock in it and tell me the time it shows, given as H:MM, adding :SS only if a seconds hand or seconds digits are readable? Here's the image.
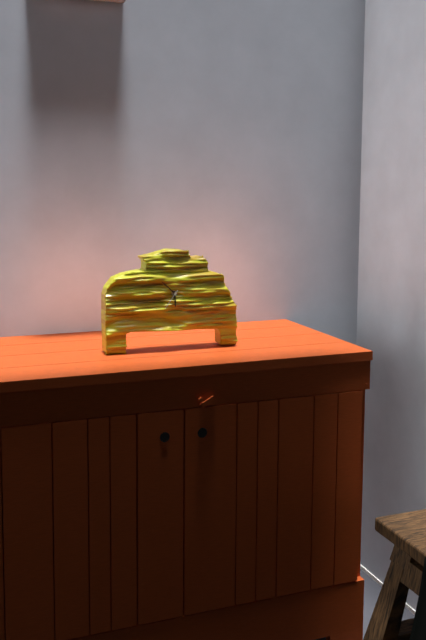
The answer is 5:52
